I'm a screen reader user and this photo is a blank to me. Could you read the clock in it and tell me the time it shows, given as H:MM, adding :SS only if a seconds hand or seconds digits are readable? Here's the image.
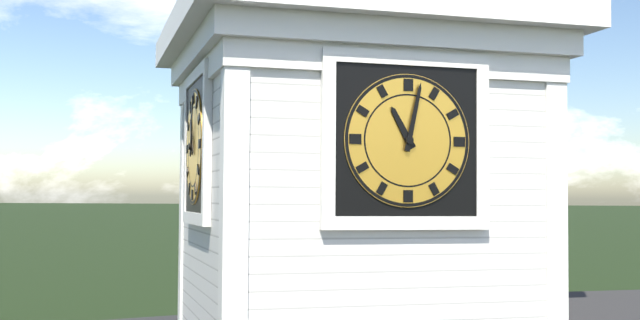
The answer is 11:02
